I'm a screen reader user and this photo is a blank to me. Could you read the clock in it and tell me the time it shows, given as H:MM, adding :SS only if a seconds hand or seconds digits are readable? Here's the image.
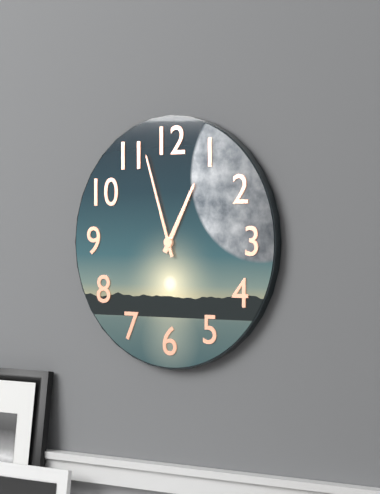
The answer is 12:57
